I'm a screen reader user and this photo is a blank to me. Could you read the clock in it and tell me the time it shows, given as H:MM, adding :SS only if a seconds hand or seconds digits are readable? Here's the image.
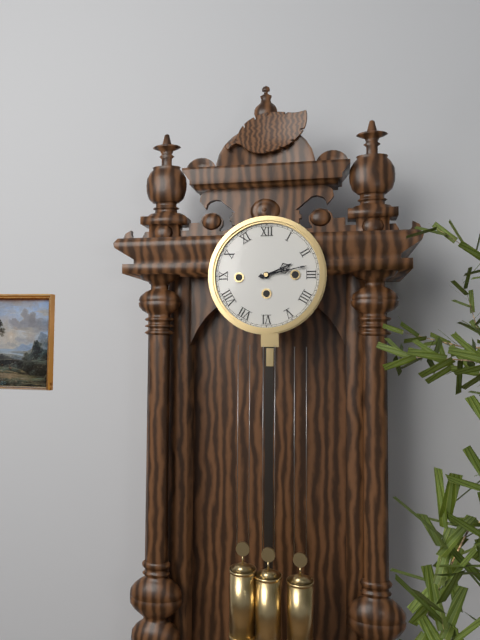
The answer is 2:13
